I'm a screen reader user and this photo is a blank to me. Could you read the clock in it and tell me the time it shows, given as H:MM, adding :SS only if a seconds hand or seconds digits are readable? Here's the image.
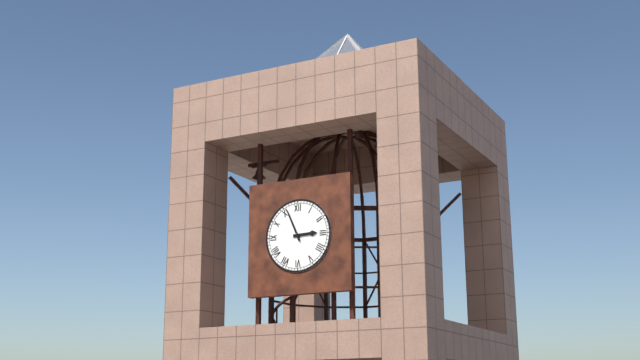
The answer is 2:56
